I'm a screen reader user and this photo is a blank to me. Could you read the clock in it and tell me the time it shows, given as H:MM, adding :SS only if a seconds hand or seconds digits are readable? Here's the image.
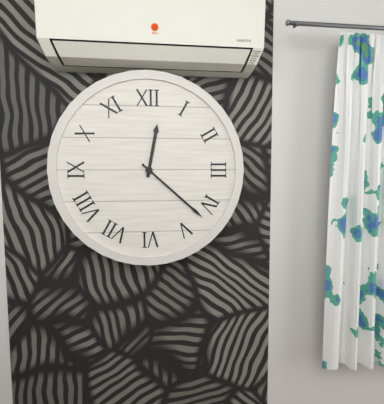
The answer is 12:22
